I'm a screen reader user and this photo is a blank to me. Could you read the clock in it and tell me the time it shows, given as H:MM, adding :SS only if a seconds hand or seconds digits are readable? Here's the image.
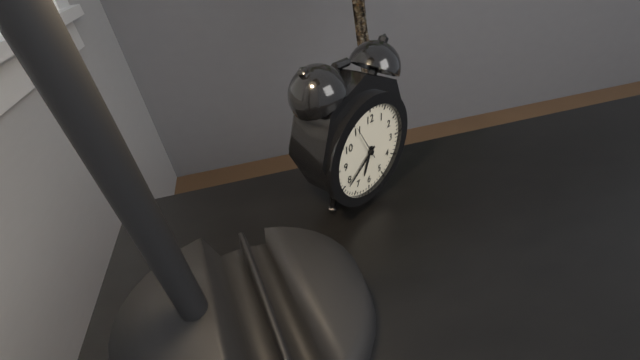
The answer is 6:39
